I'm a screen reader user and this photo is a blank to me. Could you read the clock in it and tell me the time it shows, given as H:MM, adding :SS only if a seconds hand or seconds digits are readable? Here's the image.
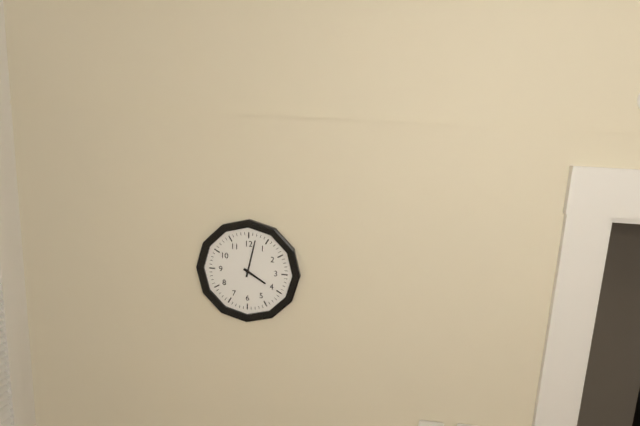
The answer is 4:02
